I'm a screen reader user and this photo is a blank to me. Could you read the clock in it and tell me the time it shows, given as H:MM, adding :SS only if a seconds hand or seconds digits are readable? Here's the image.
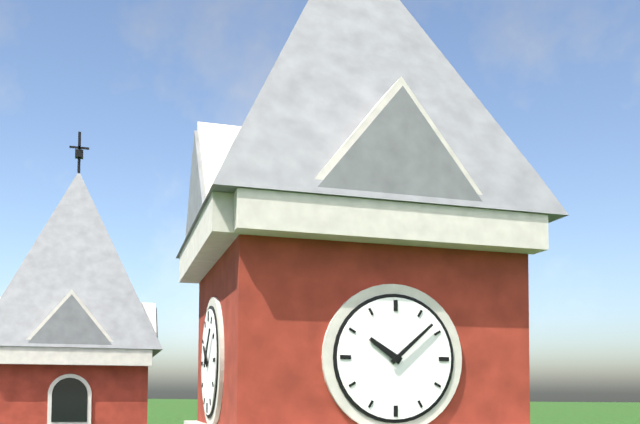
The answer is 10:08
